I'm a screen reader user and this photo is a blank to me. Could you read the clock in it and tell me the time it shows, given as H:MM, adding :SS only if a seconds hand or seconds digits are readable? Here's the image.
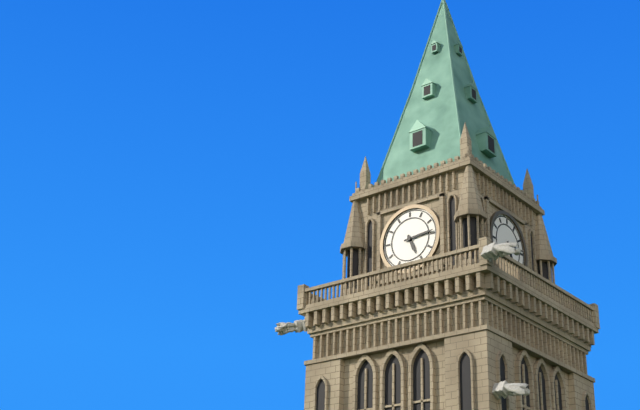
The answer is 5:14
